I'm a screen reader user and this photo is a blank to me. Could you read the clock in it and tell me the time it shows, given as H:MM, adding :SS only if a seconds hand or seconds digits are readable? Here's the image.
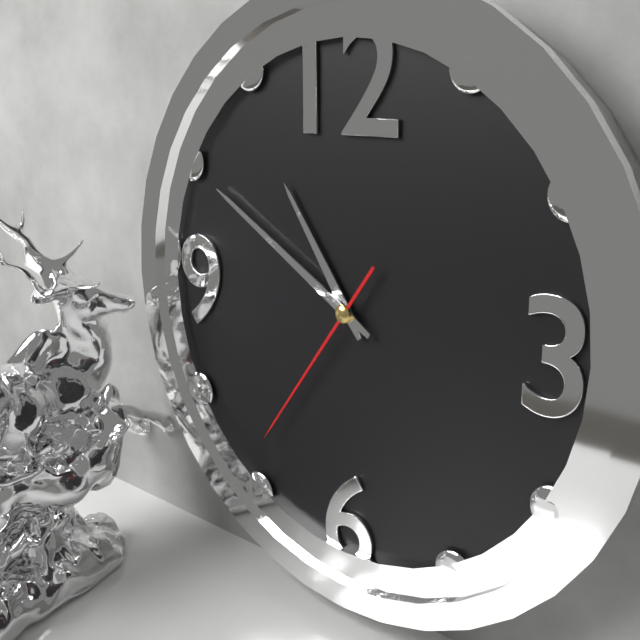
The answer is 10:50:36
